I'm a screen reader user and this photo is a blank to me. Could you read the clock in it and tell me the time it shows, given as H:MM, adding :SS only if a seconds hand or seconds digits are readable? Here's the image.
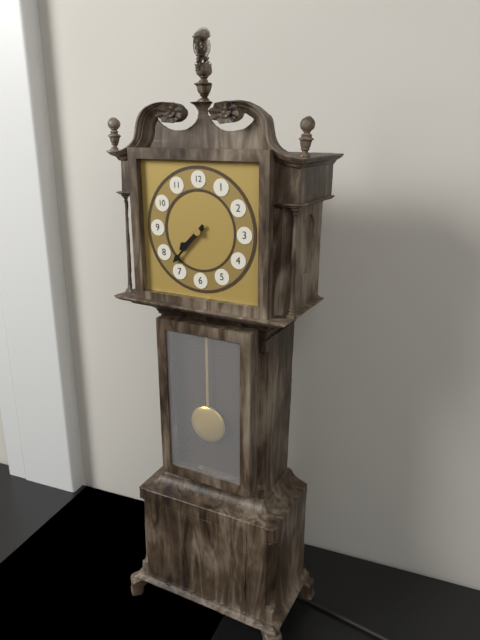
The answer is 7:37
